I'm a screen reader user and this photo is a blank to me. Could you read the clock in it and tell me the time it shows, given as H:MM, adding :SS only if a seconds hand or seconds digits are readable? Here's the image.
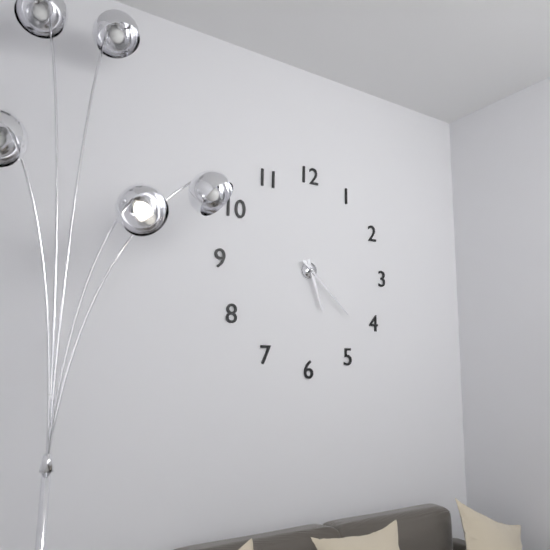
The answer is 5:22
